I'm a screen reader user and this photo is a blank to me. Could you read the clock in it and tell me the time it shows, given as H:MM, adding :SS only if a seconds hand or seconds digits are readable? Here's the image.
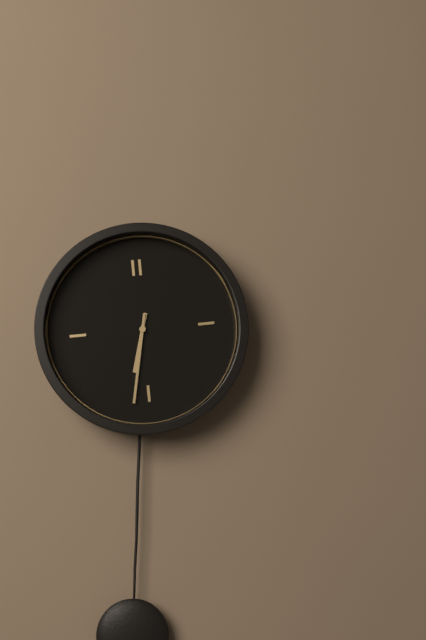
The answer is 6:32
